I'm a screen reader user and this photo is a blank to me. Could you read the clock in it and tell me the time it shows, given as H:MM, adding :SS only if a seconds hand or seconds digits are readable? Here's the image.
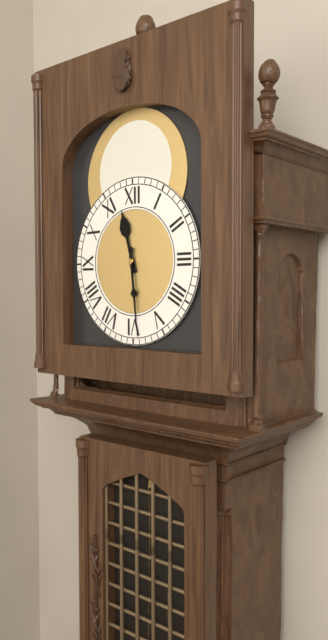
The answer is 11:29
